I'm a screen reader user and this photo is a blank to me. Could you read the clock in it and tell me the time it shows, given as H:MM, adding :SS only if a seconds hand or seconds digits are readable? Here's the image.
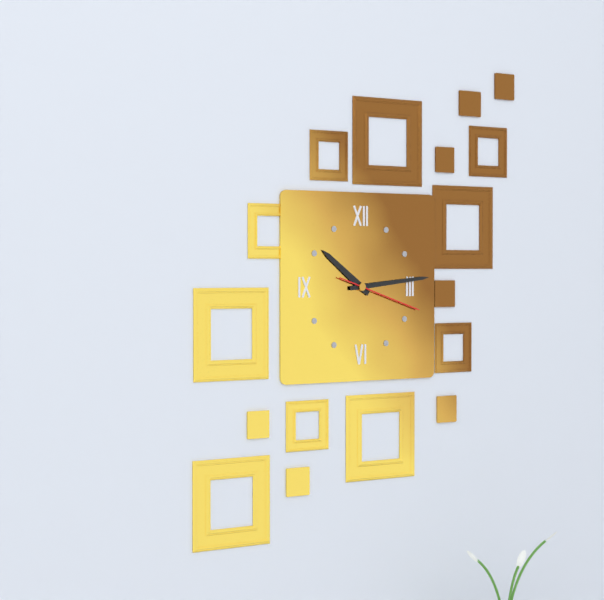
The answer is 10:14:18
